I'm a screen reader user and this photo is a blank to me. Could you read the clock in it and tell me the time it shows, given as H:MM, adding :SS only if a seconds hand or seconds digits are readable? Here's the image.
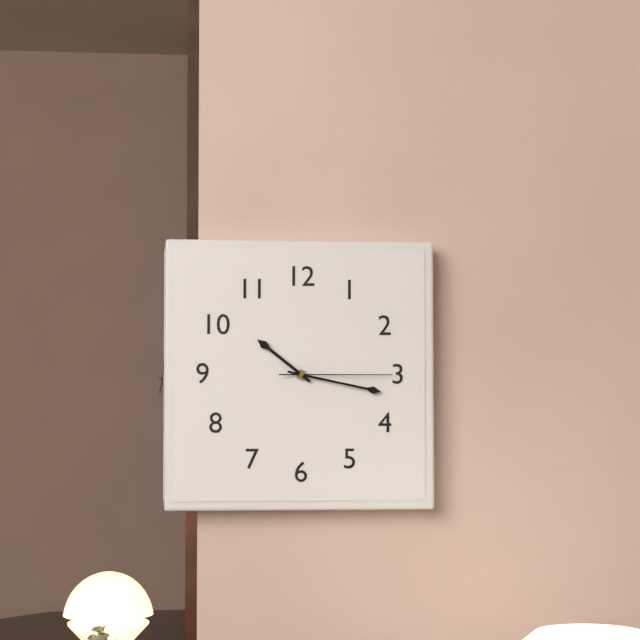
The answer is 10:17:15
